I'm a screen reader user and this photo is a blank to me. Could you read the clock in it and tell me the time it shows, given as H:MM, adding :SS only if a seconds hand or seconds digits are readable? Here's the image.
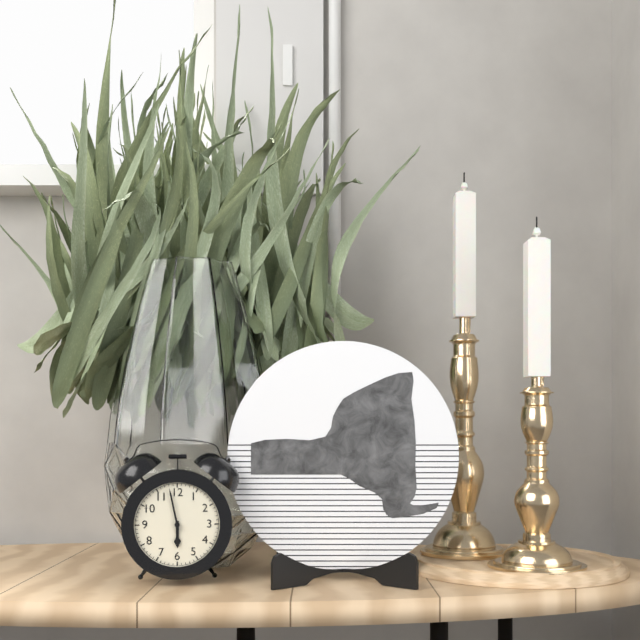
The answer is 5:58
